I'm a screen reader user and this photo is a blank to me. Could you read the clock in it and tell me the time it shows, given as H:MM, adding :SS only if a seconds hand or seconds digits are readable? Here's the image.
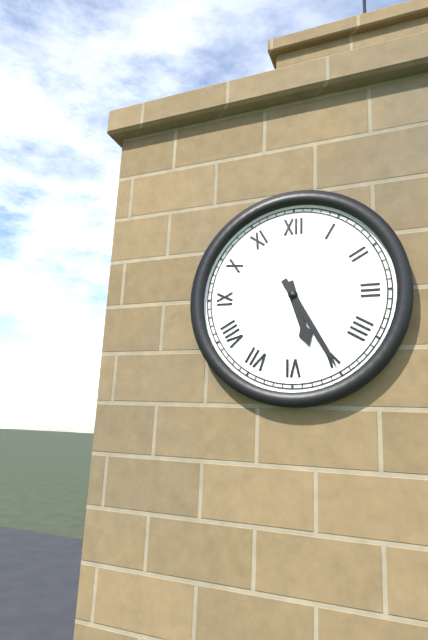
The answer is 5:25
